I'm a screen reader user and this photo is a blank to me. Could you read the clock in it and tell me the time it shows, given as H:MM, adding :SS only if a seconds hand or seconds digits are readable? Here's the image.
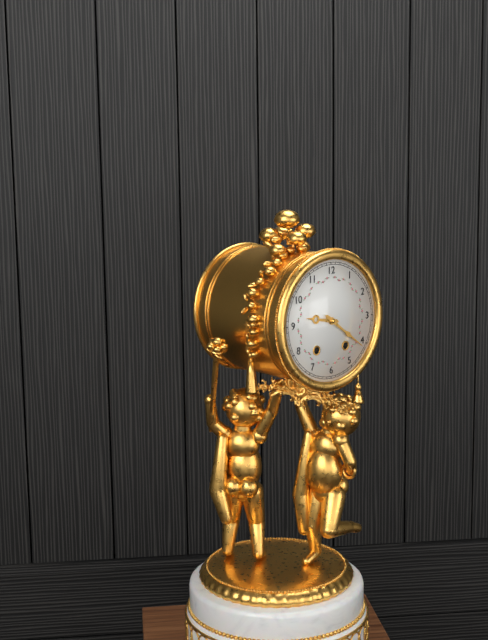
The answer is 9:21
